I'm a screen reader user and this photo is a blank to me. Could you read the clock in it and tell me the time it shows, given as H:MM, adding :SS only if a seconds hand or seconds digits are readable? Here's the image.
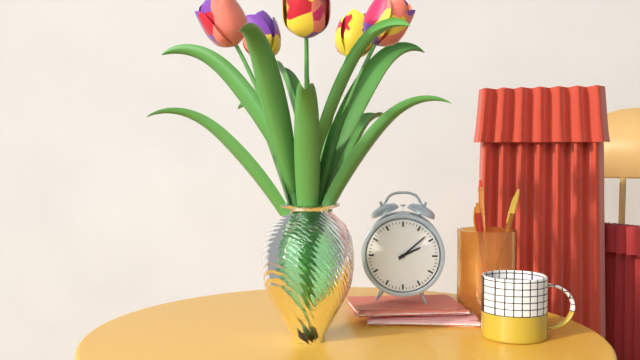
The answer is 2:08
